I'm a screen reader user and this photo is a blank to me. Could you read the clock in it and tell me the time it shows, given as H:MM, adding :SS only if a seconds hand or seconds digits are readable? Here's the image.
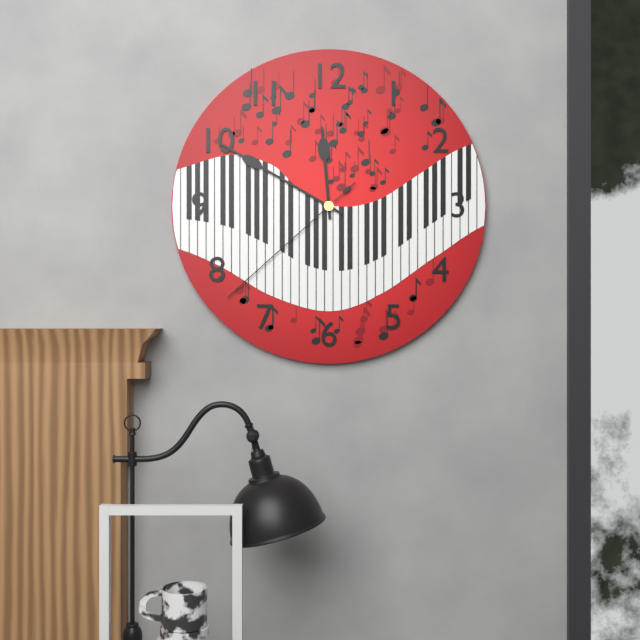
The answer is 11:50:38
